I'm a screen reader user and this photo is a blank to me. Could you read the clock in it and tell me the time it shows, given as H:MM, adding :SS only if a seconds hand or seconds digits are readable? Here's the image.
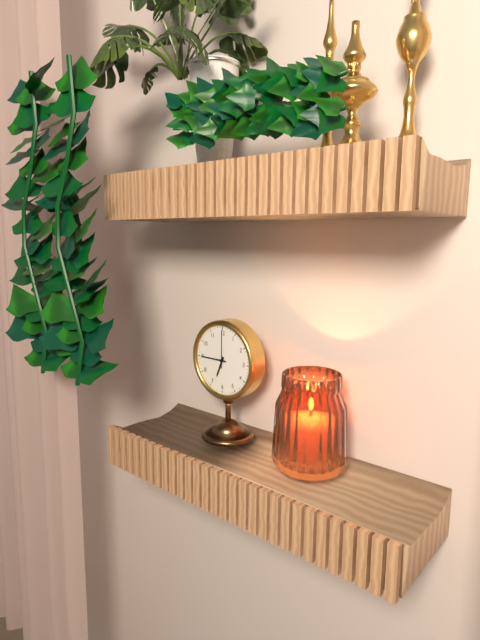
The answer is 6:45
